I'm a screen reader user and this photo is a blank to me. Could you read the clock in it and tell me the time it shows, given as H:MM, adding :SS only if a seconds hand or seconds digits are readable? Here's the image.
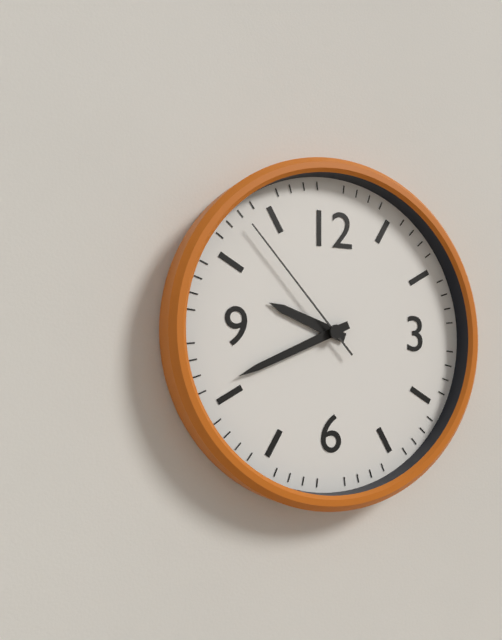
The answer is 9:41:53
